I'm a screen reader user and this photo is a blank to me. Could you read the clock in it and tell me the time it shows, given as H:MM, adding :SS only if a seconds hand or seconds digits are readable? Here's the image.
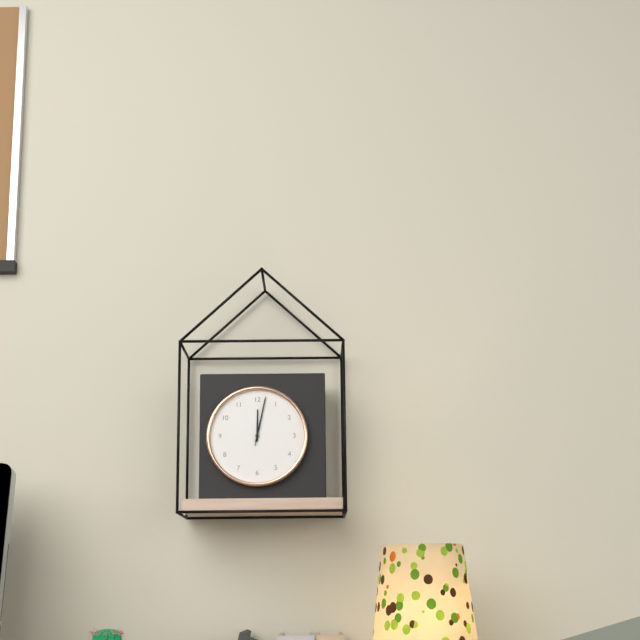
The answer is 12:02:02
